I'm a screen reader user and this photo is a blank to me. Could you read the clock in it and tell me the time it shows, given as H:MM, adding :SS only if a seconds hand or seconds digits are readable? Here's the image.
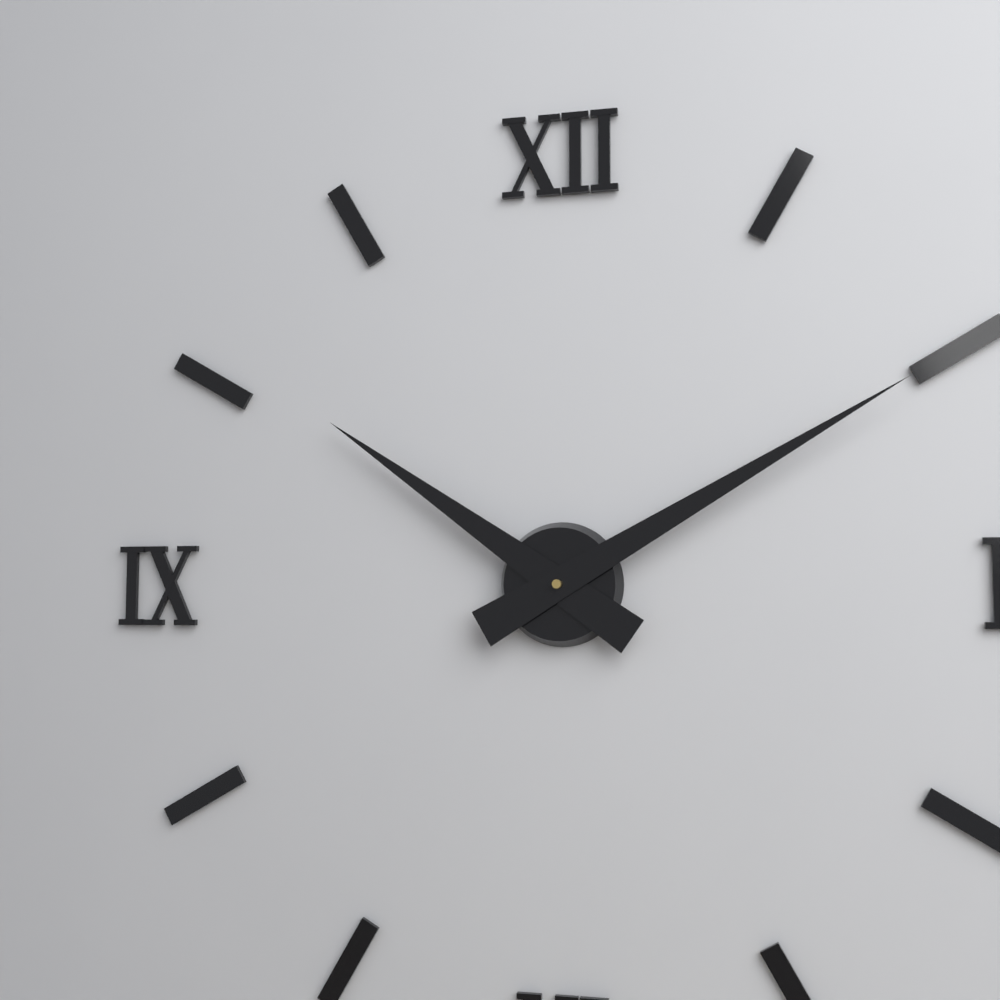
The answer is 10:10
